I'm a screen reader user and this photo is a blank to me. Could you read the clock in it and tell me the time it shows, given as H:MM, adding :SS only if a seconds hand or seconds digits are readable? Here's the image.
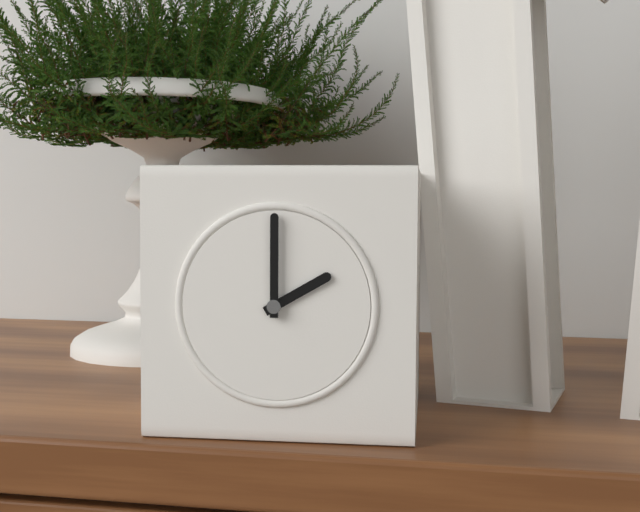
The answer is 2:00
